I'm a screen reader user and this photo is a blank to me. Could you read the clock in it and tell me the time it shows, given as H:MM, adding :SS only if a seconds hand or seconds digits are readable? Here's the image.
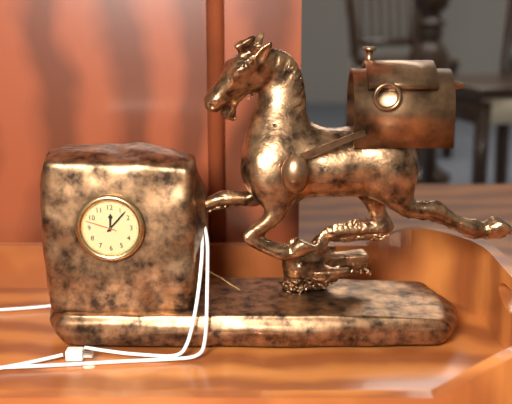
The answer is 12:07
